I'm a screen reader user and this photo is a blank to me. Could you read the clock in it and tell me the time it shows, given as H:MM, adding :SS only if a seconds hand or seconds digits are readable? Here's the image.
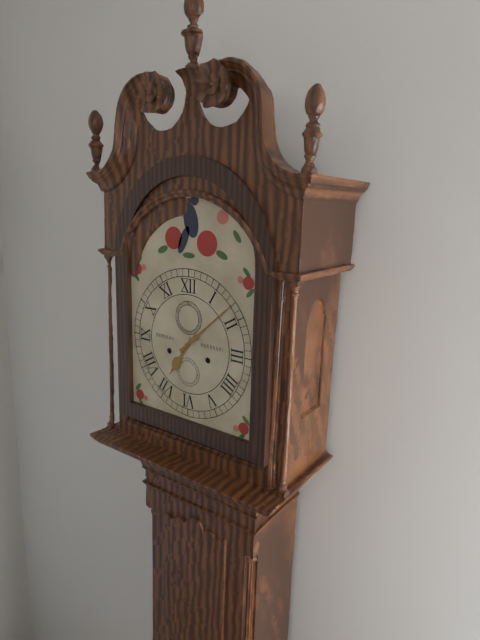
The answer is 7:08
